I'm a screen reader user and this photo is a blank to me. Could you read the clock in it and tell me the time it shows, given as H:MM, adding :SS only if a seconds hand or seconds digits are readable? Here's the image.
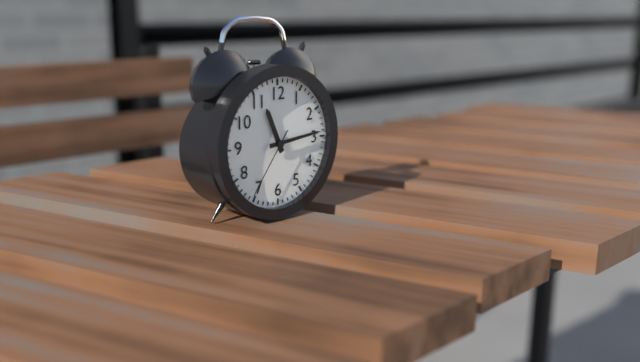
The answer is 11:14:36
